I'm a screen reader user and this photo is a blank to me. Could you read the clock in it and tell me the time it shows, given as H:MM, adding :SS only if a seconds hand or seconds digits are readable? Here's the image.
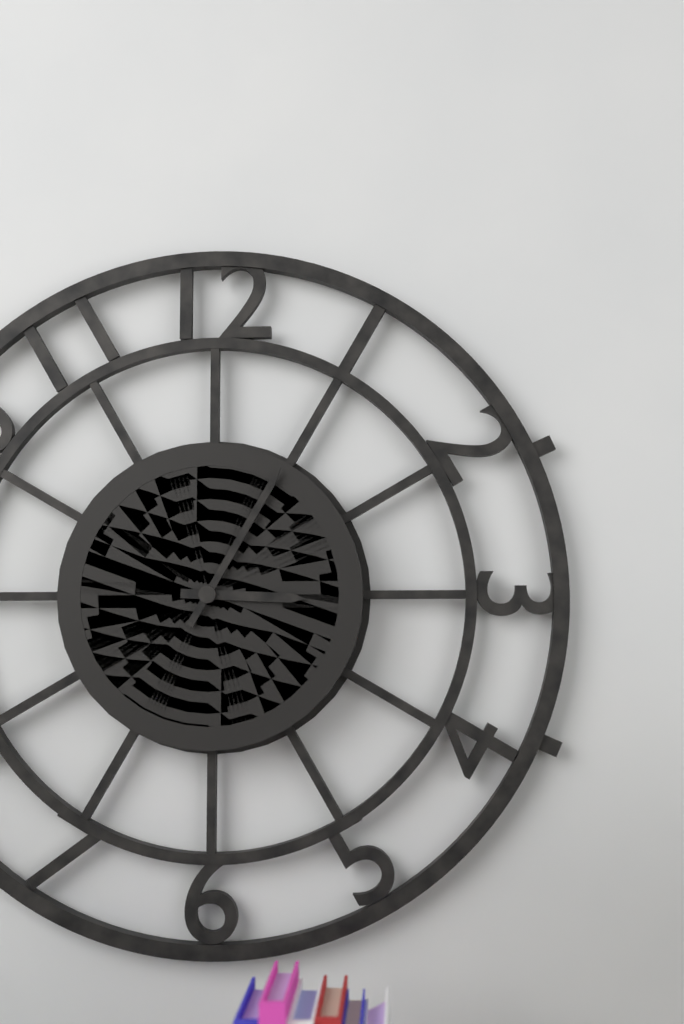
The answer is 3:05
